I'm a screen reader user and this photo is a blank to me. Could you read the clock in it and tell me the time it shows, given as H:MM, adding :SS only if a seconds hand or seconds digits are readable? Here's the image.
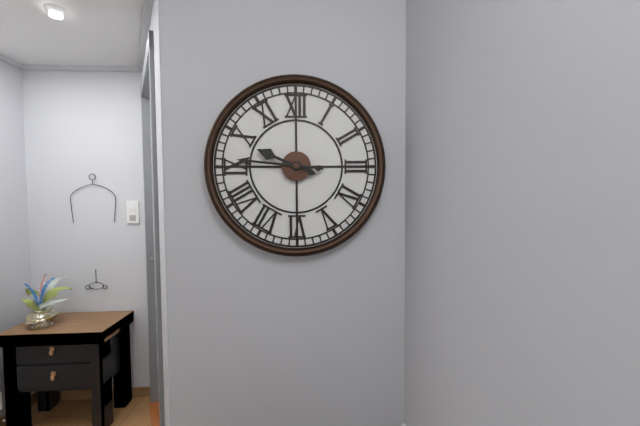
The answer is 9:46
